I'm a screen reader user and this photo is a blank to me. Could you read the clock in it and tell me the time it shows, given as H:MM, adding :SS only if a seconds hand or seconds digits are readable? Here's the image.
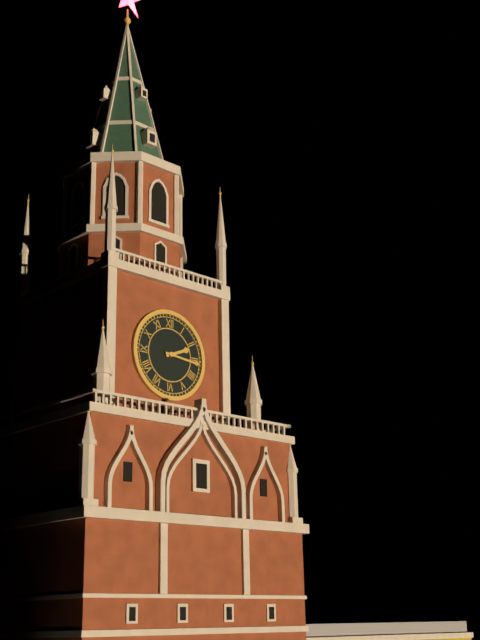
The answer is 2:16
